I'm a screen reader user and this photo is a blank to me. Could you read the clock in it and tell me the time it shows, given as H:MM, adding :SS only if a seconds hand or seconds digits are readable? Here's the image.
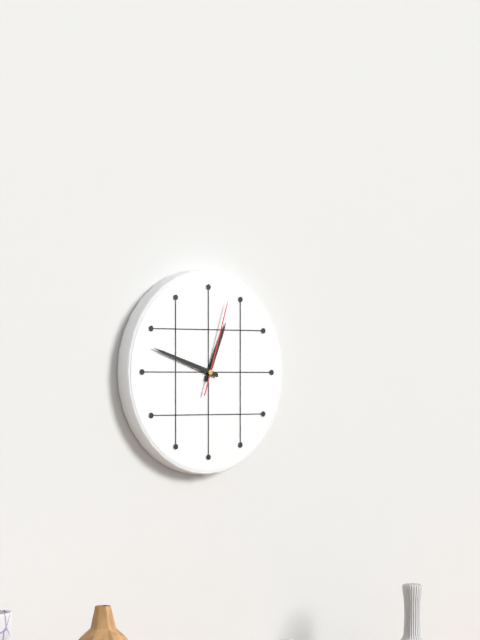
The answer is 12:48:03
